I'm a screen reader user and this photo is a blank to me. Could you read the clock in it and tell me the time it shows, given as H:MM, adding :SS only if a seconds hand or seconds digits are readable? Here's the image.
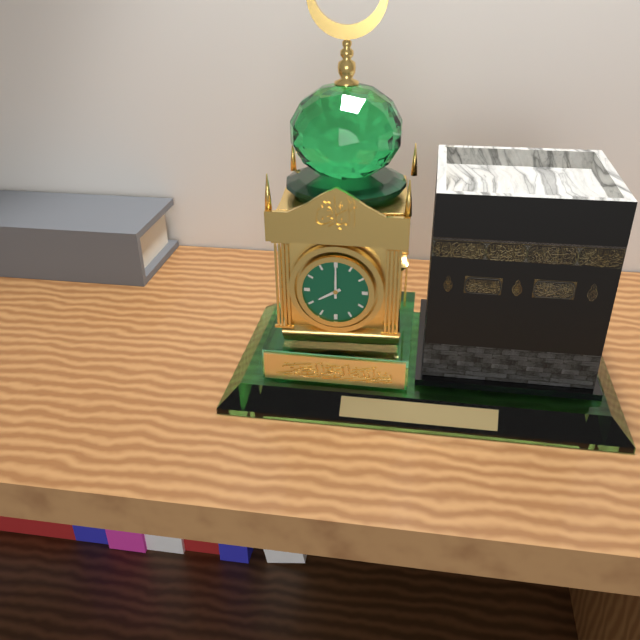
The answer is 8:00
